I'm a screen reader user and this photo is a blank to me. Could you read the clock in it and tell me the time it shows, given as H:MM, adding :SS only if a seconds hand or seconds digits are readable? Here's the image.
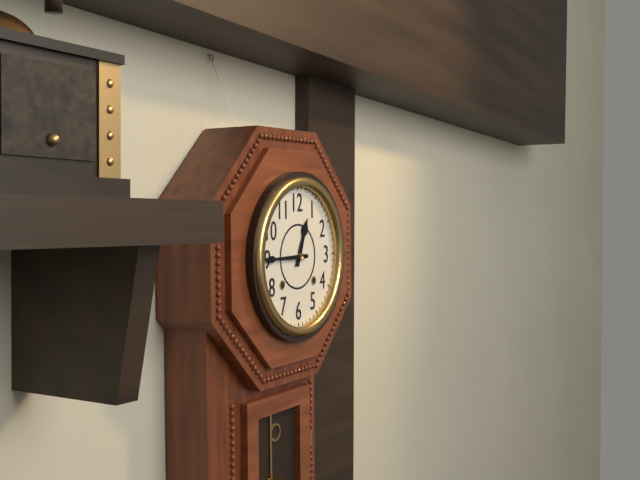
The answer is 12:45
